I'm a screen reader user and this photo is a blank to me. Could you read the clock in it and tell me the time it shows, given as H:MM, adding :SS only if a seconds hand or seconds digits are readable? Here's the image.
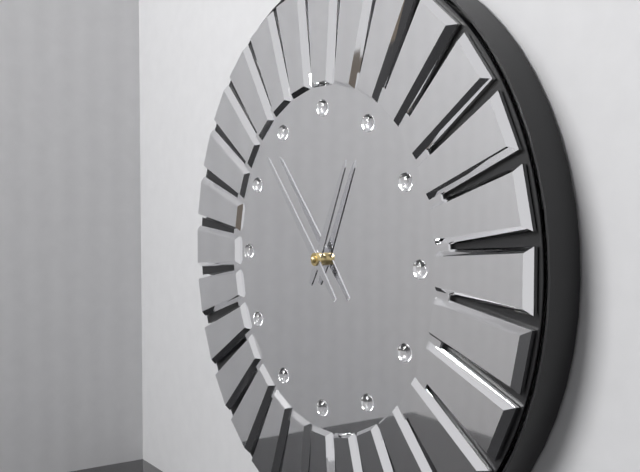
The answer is 12:53
